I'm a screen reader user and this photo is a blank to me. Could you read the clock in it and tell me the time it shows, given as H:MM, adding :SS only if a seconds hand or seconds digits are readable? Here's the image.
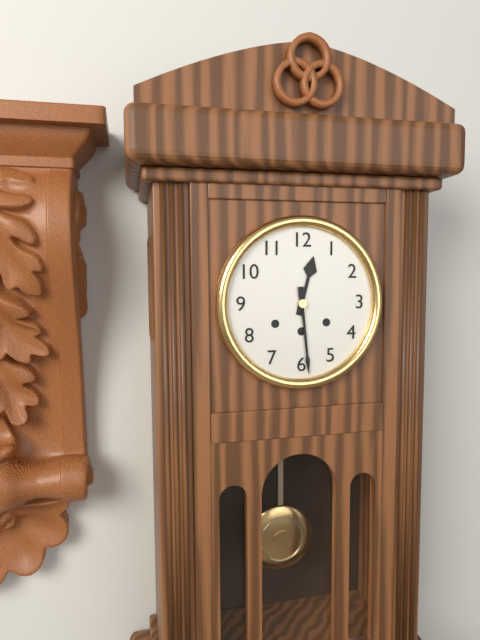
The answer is 12:29
